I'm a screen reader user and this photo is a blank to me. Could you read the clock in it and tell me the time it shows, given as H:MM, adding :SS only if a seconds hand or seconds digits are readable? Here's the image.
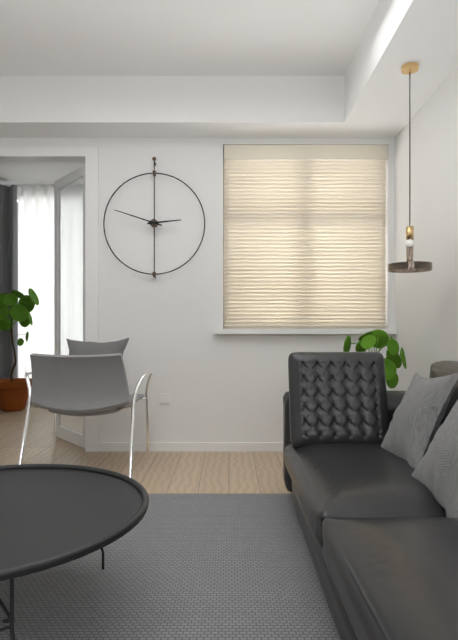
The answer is 2:48
